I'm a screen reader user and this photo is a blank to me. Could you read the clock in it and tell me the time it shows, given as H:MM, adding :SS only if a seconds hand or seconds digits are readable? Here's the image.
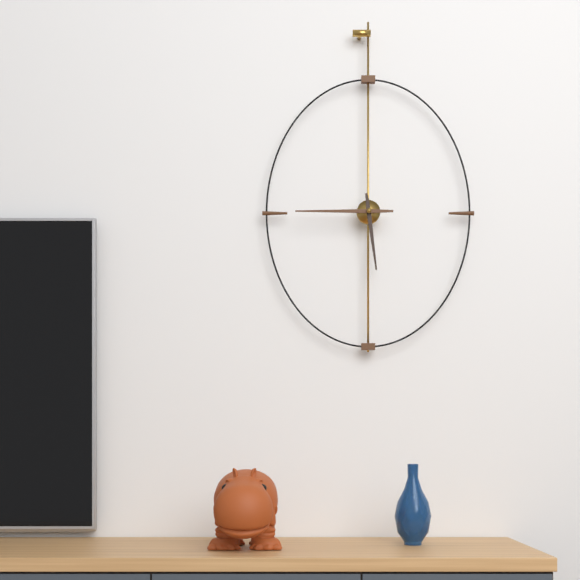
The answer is 5:45
